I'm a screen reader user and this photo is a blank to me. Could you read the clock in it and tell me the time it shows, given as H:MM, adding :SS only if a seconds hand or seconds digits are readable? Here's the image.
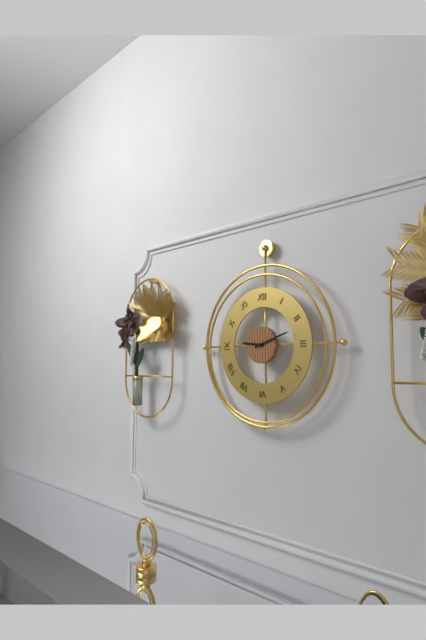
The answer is 9:12
